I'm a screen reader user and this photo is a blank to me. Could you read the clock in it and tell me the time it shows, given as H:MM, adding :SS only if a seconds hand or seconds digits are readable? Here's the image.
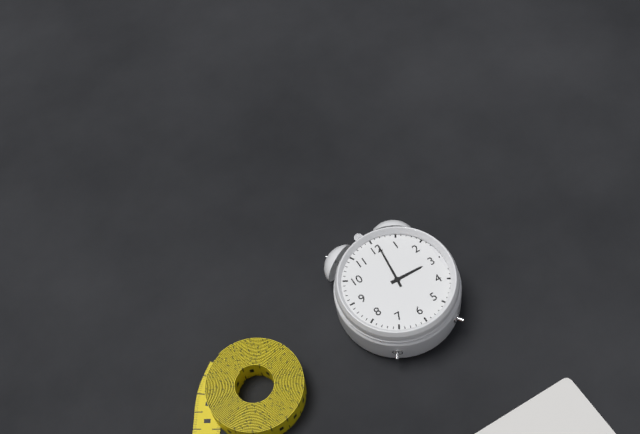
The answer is 3:01
